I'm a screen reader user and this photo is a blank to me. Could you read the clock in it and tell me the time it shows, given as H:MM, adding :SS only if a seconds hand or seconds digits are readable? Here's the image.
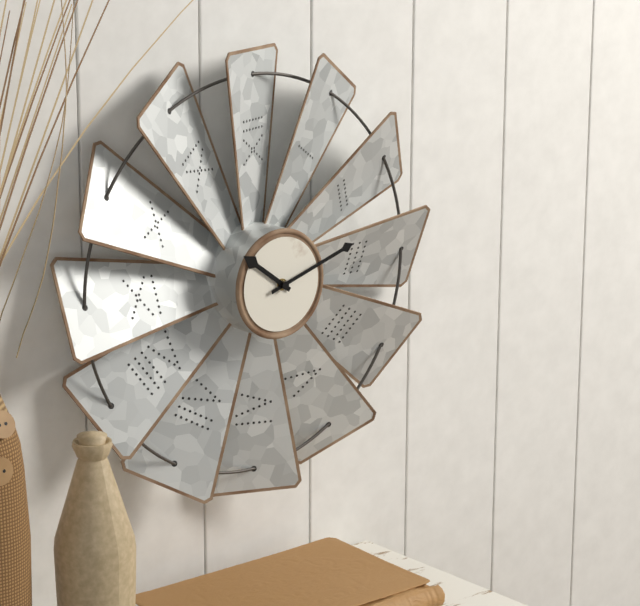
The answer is 10:12
